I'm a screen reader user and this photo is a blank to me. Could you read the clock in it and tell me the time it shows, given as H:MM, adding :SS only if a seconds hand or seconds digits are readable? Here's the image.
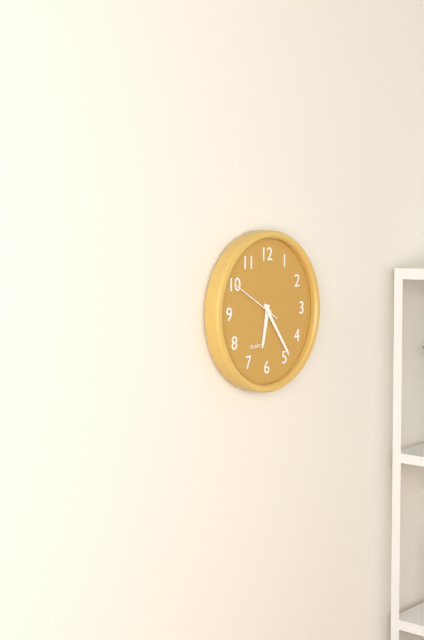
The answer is 6:24:50
